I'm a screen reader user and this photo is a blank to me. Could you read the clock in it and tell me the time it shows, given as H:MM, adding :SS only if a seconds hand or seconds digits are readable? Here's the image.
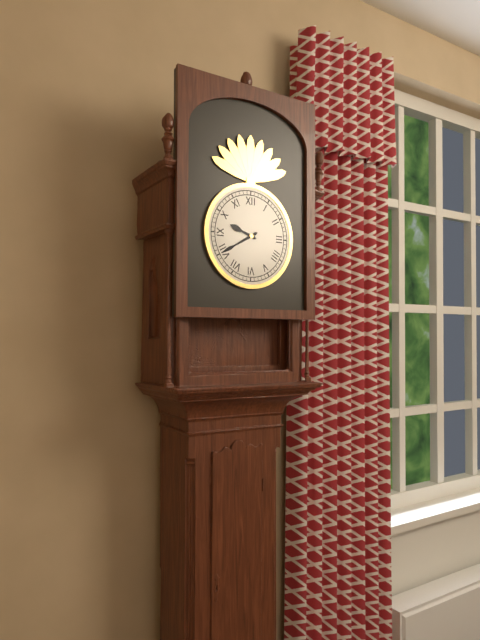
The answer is 9:40
